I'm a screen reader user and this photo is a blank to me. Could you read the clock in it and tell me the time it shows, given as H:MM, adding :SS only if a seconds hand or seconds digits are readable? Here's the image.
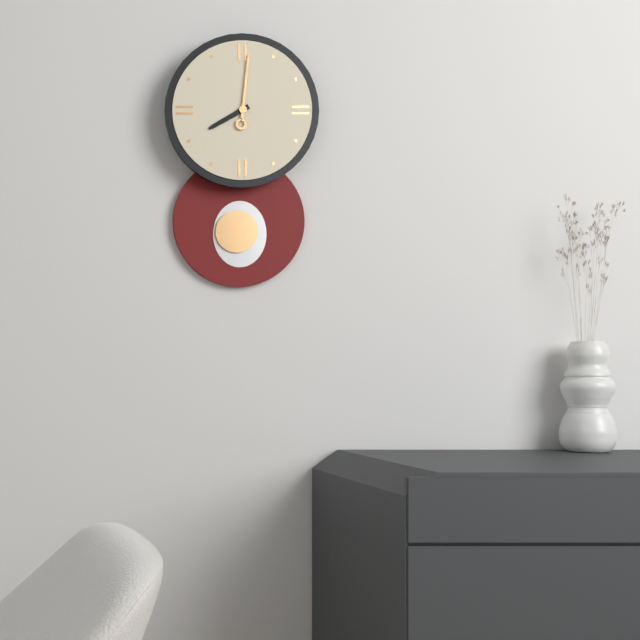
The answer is 8:01
